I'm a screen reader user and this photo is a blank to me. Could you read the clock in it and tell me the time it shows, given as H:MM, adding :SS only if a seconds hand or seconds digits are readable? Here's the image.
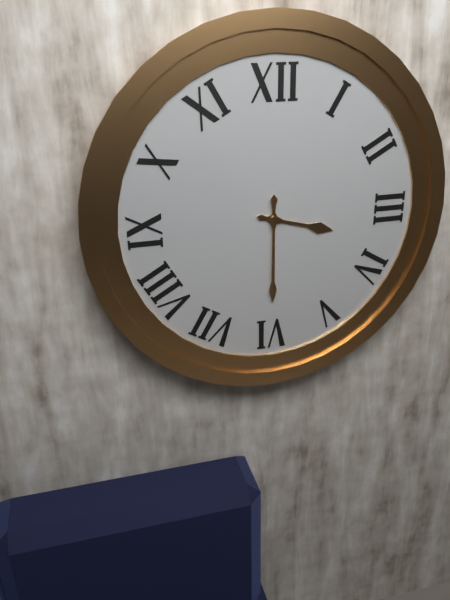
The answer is 3:30
